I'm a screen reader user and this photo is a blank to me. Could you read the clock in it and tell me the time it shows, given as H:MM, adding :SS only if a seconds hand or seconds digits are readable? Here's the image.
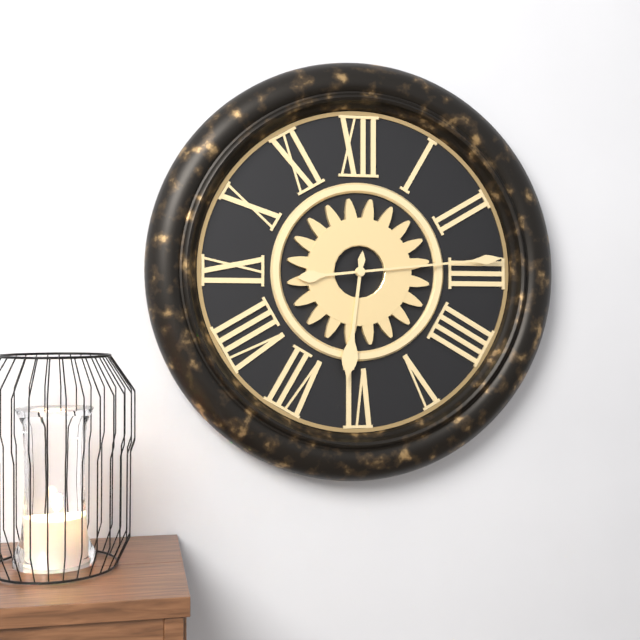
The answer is 6:14
